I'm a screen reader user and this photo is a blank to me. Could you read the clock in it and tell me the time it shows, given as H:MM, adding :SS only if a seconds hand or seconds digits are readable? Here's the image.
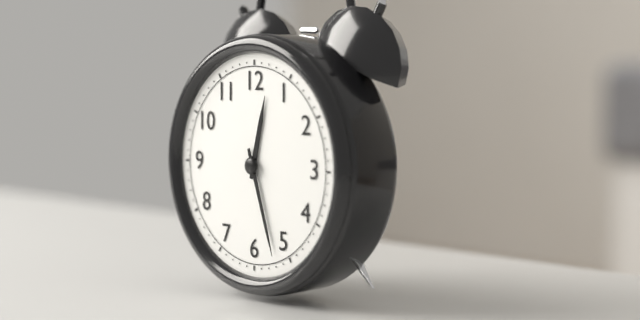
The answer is 12:27
